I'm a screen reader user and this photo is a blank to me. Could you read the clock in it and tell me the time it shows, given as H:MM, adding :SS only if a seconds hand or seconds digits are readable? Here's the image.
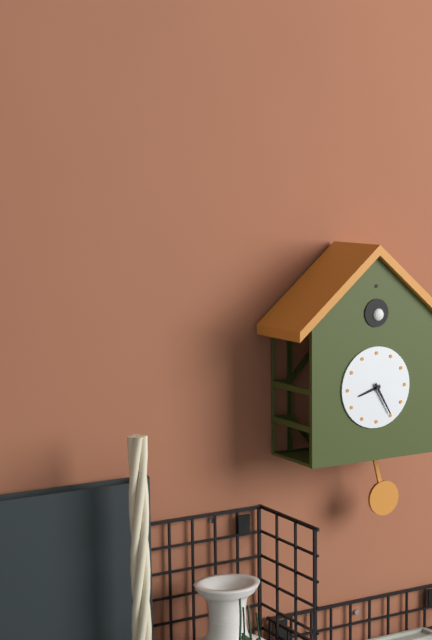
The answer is 8:25
